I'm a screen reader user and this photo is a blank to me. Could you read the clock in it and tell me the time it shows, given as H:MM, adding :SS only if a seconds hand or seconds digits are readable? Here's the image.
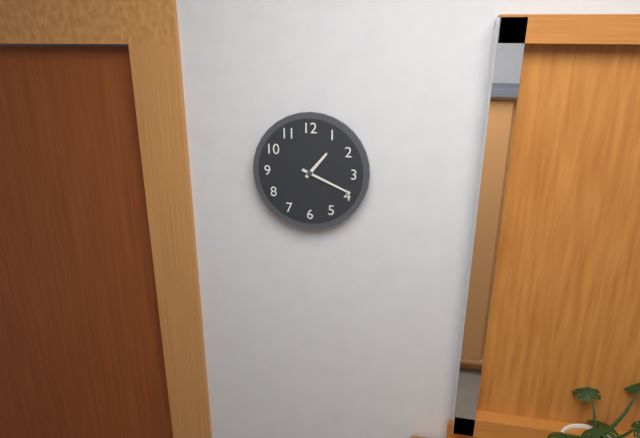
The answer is 1:19
